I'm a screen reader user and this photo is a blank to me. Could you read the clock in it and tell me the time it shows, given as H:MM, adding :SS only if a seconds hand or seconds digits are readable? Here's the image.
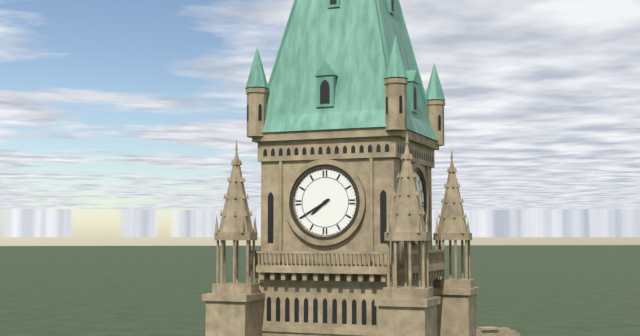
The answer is 7:40
